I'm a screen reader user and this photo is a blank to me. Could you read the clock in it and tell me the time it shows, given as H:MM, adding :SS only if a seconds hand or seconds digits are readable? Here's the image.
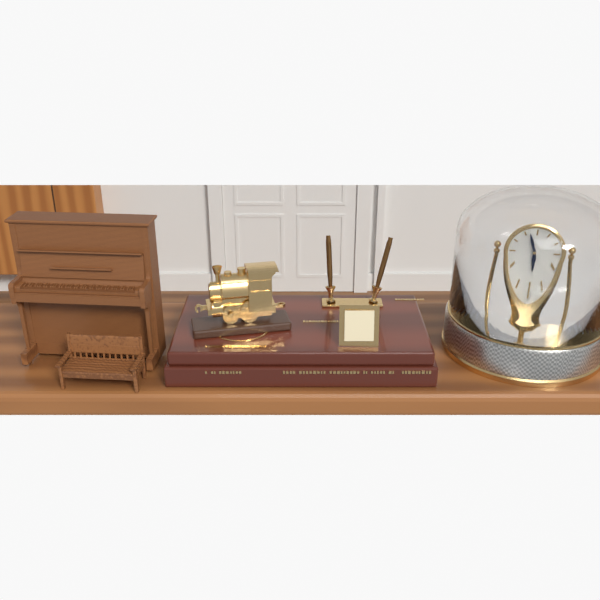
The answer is 5:57
